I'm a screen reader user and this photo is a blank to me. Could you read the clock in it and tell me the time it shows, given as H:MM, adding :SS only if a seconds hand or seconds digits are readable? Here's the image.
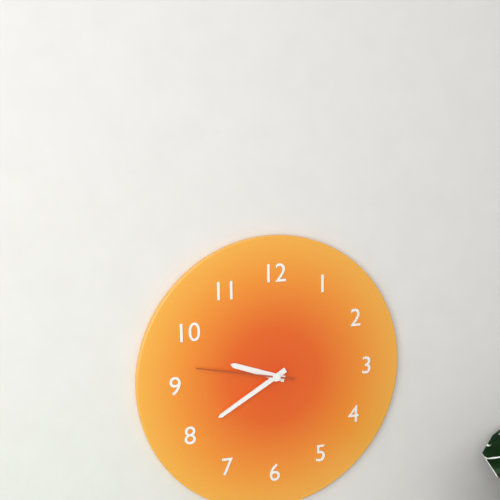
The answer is 9:40:47
